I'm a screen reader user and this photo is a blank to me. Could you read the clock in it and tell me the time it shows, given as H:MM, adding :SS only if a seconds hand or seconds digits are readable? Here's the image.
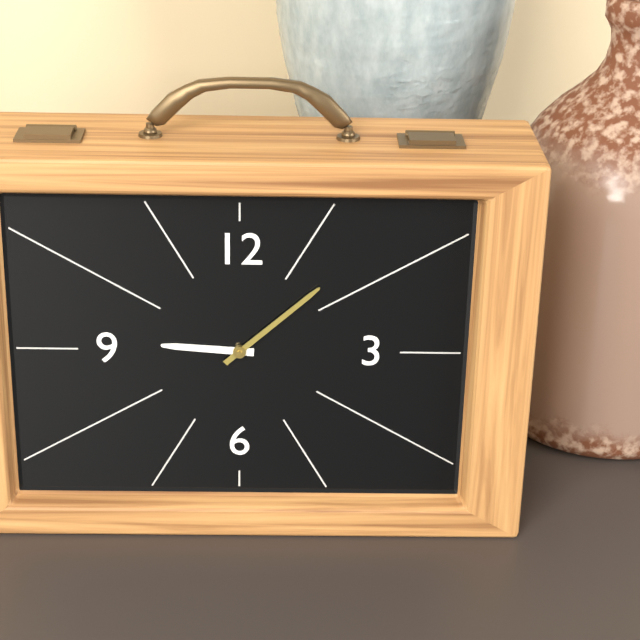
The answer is 9:08
